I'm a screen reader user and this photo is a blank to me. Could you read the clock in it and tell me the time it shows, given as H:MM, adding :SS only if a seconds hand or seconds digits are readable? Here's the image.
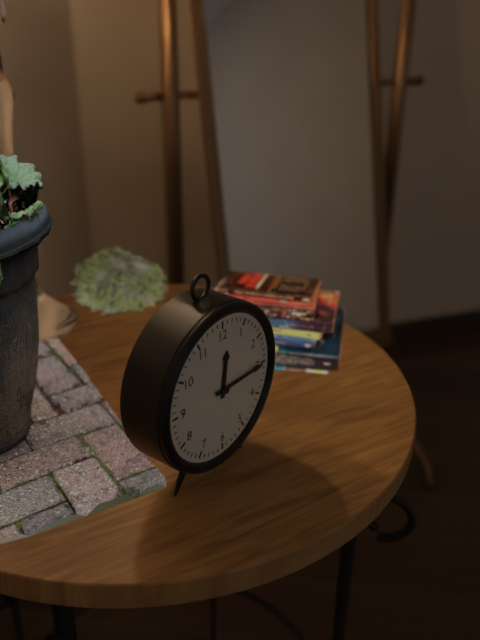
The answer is 12:15
